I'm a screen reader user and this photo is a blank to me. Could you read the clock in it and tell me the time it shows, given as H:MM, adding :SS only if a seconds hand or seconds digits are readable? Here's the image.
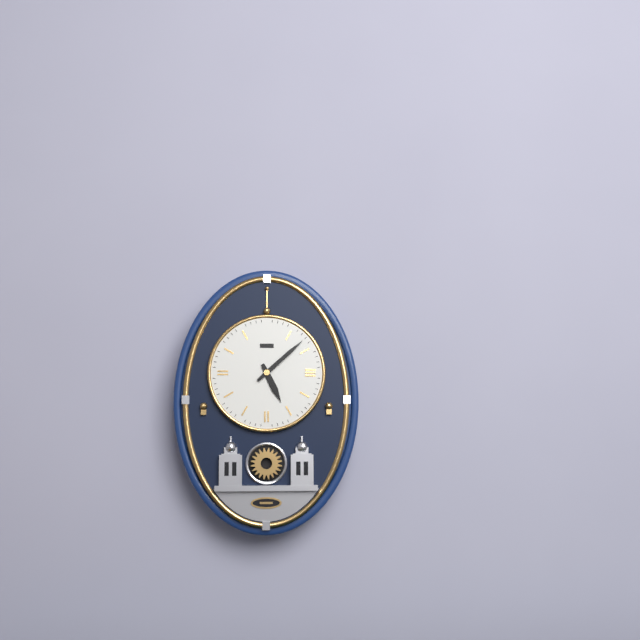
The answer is 5:08
